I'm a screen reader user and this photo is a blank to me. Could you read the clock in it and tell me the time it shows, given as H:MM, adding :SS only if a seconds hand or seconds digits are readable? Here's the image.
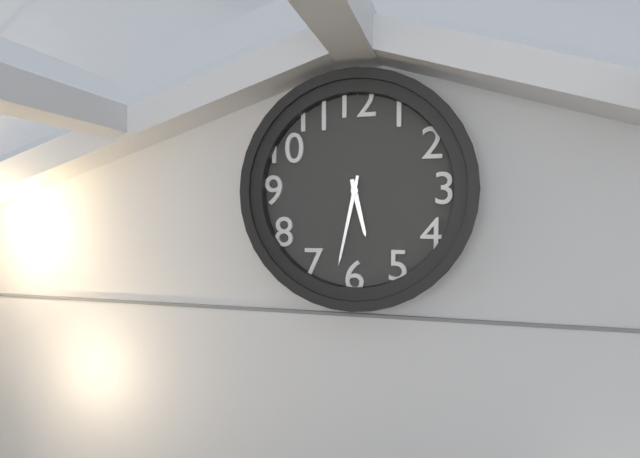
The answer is 5:32
